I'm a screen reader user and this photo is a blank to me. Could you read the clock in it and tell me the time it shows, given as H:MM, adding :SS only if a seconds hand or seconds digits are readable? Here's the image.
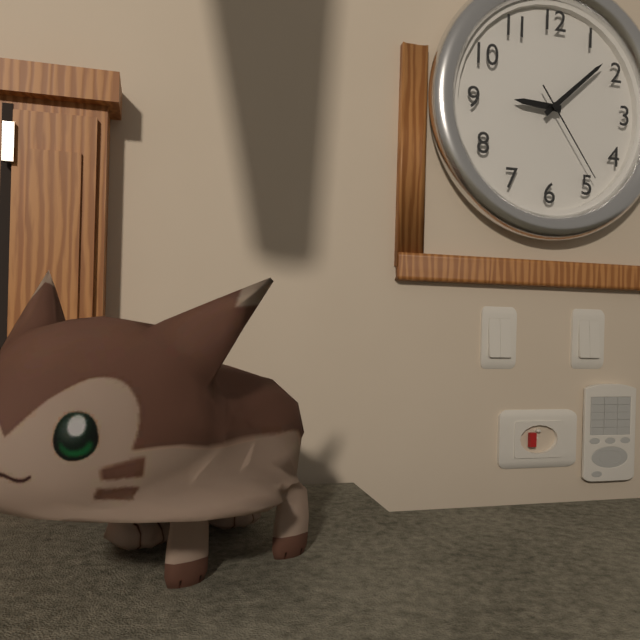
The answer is 9:08:24
